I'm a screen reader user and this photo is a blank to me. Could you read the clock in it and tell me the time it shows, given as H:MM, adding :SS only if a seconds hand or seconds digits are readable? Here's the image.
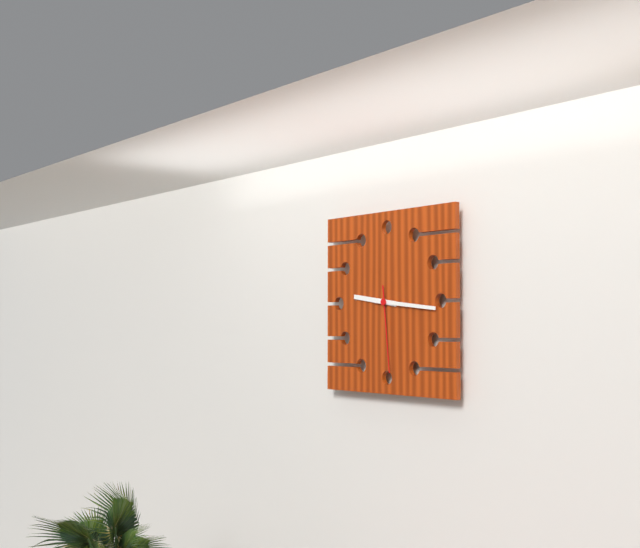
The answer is 9:16:29
